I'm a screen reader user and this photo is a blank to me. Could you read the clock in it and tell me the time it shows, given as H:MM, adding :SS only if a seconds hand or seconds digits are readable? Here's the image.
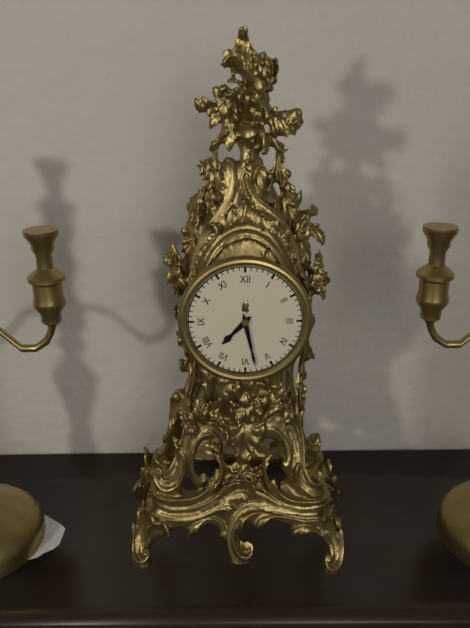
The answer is 7:28
